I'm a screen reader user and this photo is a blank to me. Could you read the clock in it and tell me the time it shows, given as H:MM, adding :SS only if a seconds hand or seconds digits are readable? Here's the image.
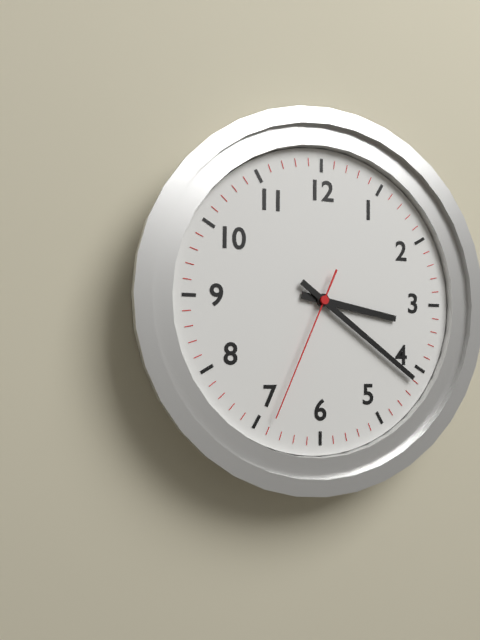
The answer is 3:21:34
